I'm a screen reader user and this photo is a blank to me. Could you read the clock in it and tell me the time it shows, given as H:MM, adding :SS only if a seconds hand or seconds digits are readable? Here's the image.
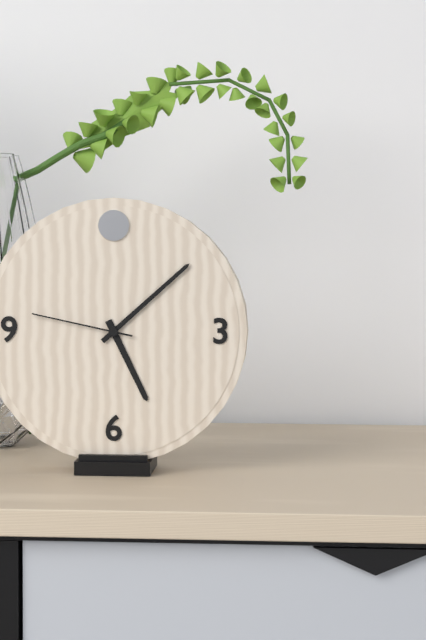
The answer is 5:08:47
